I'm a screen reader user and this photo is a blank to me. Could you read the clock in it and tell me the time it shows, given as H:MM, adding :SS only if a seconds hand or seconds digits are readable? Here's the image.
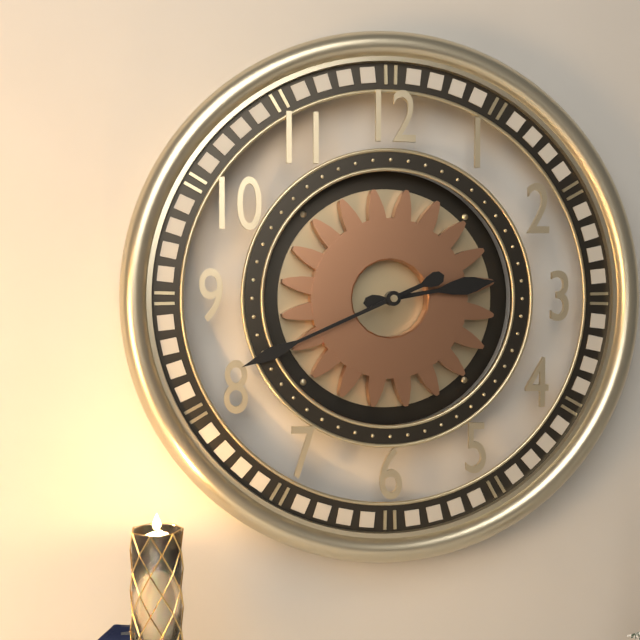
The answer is 2:41
